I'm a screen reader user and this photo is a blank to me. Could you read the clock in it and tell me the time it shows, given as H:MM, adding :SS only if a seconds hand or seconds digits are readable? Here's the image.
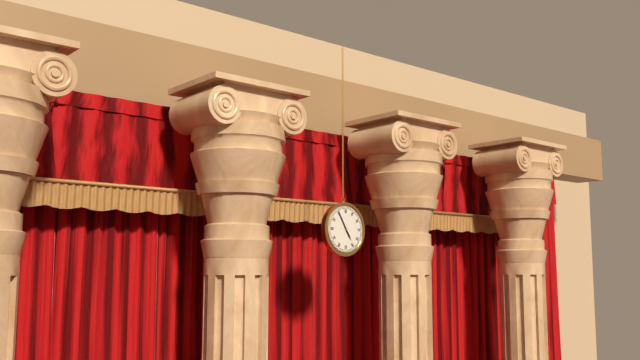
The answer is 4:55
